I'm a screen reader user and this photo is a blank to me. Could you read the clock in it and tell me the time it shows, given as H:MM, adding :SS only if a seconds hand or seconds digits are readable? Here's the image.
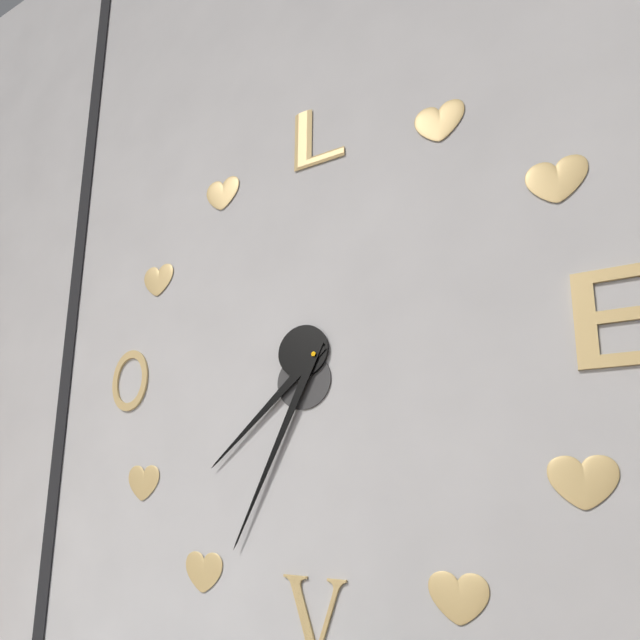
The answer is 7:34
